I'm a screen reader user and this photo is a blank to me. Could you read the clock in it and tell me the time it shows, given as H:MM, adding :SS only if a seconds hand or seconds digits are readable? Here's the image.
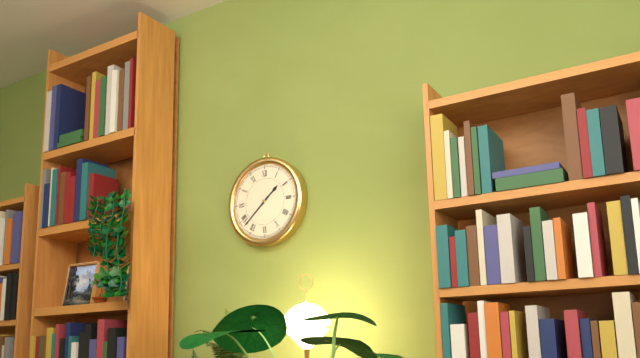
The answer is 1:38
